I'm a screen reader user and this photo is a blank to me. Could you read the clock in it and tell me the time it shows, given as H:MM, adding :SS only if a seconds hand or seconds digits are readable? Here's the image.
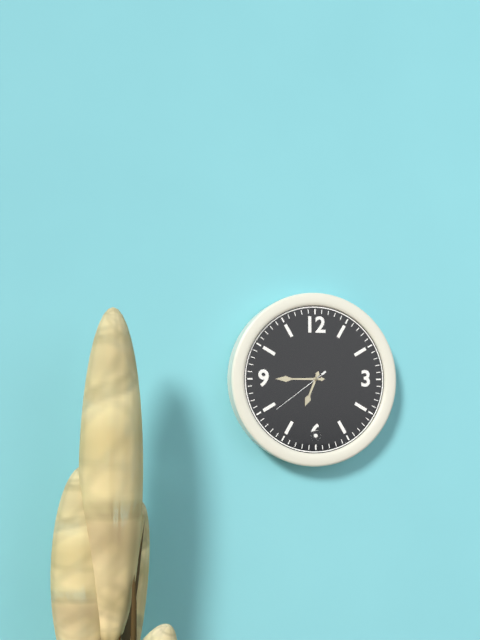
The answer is 6:45:39
